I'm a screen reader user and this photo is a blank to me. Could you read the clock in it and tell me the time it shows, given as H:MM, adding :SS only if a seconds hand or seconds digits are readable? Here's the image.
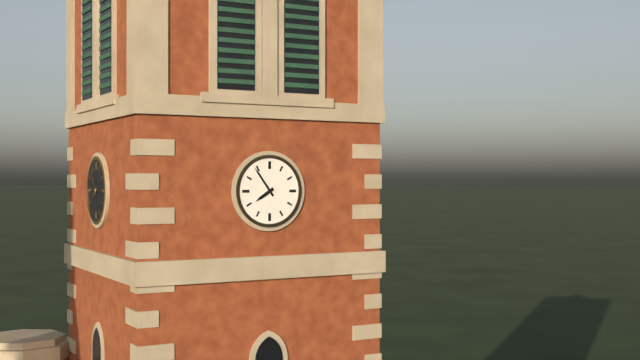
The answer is 7:54
